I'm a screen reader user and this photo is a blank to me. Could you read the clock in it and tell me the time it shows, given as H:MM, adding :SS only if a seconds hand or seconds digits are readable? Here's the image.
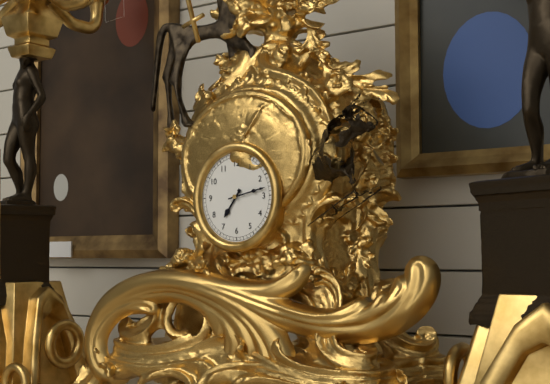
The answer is 7:13
